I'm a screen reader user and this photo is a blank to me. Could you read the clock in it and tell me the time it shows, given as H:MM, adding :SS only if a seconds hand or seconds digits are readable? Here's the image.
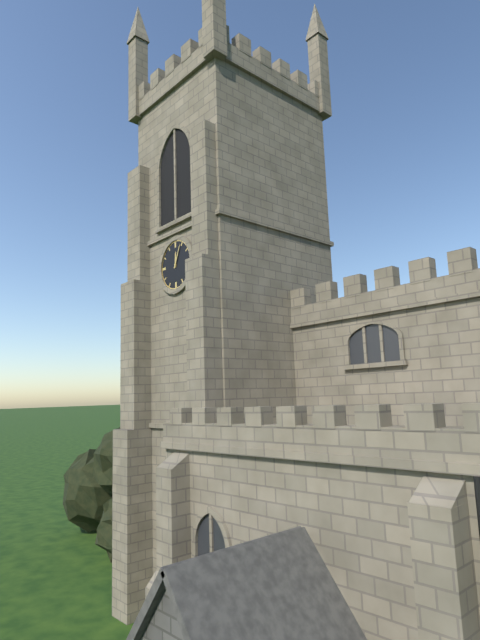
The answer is 12:04
